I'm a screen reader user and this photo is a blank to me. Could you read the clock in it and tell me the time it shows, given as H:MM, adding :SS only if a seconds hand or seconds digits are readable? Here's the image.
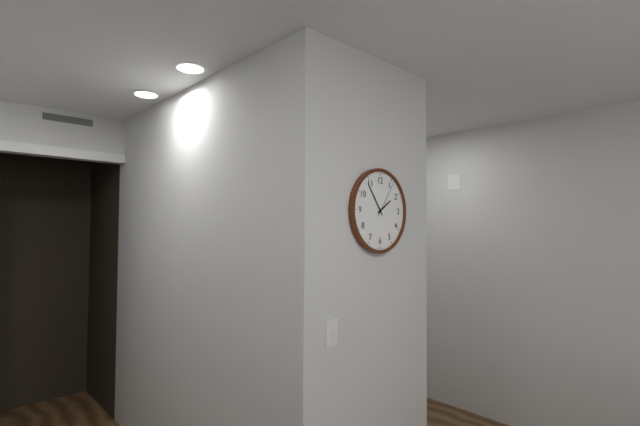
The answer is 1:54
